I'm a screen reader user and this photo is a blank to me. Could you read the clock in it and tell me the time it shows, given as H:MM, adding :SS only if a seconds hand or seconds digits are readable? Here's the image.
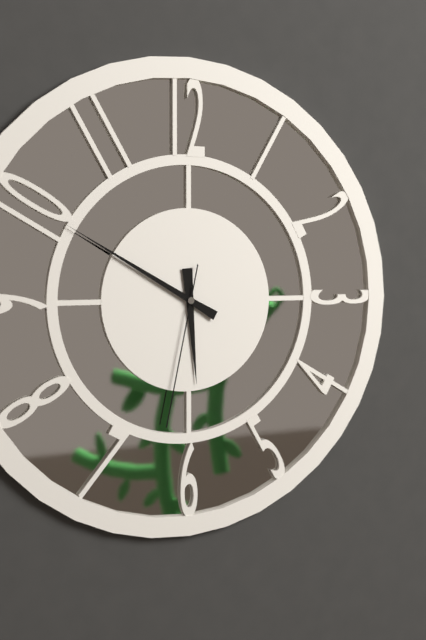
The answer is 5:50:32
